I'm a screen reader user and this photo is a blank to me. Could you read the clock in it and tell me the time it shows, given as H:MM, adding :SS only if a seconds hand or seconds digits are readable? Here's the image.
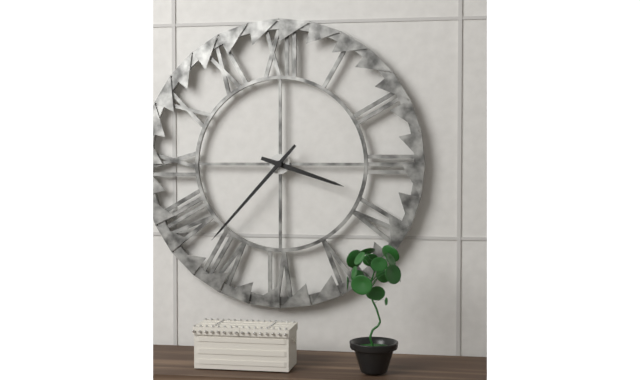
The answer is 3:37
